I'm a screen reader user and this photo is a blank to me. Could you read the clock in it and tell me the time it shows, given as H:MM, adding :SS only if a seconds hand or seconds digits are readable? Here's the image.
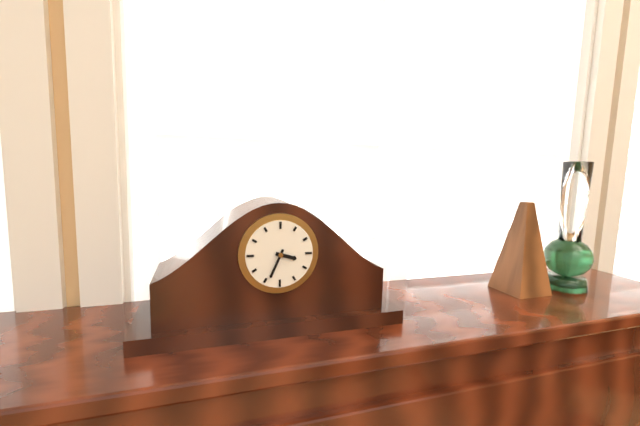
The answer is 3:34
